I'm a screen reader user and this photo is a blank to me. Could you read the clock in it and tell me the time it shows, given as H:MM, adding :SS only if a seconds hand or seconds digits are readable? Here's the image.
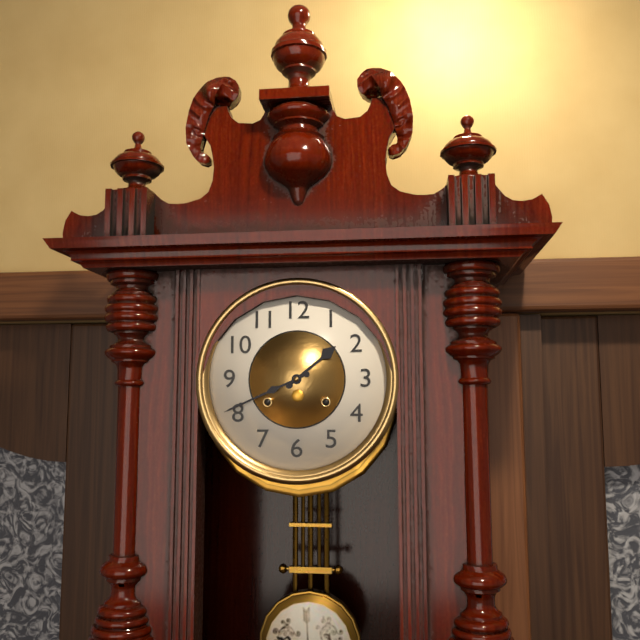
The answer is 1:41
